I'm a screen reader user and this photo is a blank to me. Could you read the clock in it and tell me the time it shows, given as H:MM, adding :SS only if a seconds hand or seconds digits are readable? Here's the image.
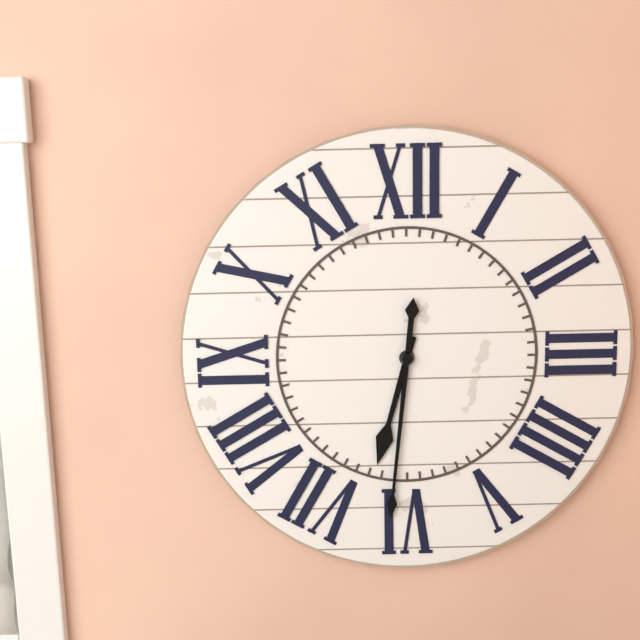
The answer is 6:31
